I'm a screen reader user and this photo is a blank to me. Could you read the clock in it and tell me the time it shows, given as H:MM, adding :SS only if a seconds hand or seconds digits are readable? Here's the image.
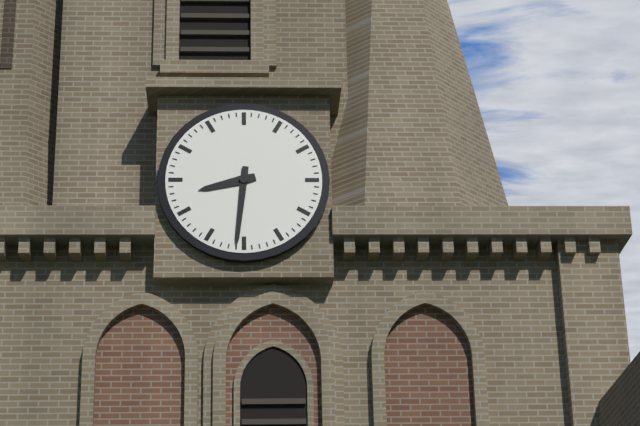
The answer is 8:31
